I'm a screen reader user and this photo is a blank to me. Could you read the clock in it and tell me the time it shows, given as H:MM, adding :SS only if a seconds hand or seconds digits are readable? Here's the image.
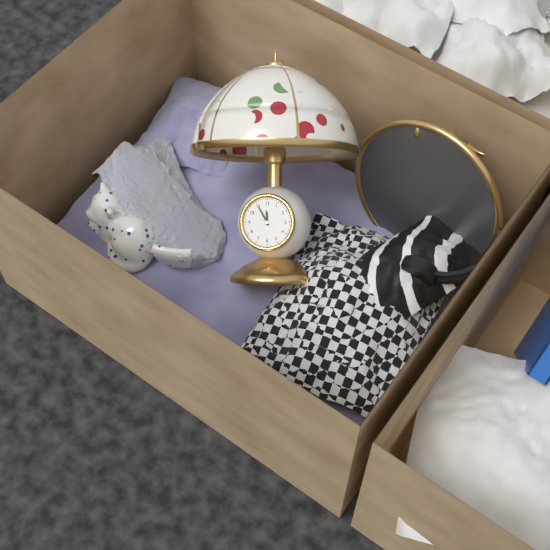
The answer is 11:55
